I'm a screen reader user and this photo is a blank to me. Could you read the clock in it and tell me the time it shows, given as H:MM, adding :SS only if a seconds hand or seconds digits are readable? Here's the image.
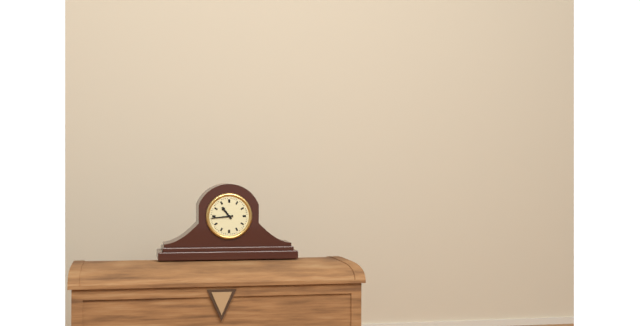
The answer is 10:44
